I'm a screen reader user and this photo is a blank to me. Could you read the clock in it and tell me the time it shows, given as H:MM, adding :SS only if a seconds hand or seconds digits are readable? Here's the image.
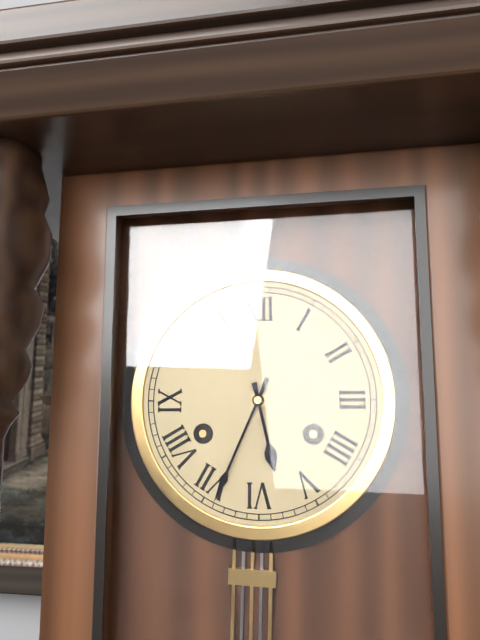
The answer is 5:34
